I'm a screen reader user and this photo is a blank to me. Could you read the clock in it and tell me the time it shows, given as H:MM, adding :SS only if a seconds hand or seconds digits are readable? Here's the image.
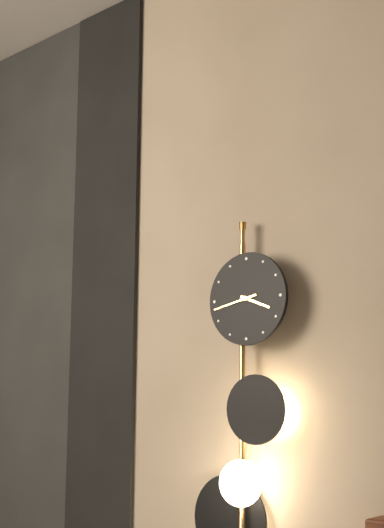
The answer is 3:43
